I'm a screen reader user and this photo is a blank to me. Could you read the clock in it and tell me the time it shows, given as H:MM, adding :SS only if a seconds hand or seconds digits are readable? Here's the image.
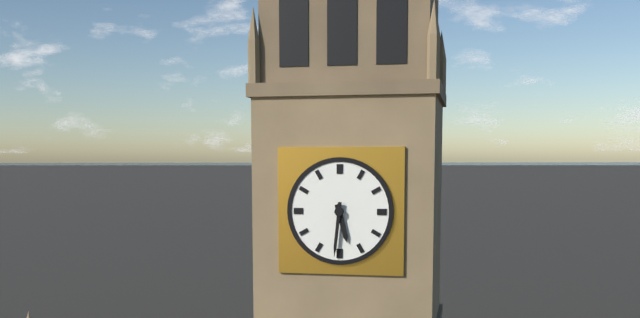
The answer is 5:31
